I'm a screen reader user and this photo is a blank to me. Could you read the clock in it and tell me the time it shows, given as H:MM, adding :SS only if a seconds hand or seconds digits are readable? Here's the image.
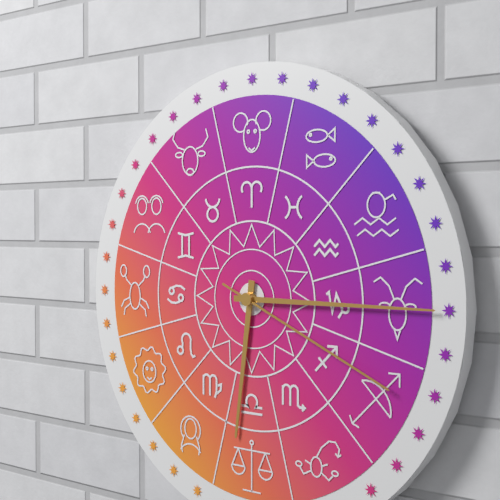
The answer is 6:15:19
